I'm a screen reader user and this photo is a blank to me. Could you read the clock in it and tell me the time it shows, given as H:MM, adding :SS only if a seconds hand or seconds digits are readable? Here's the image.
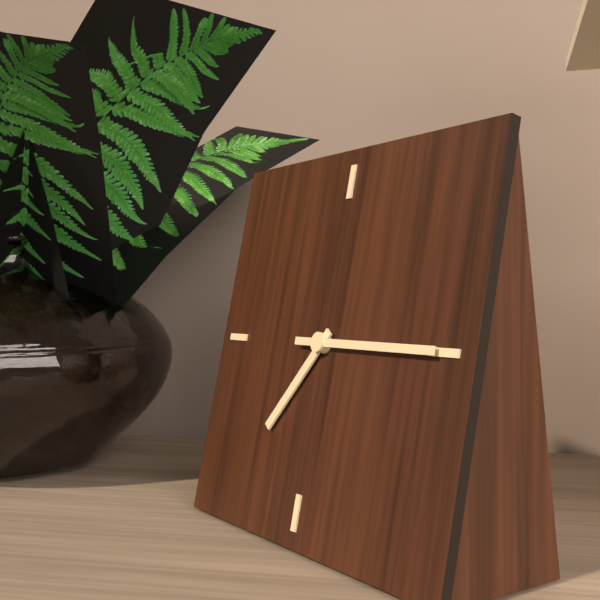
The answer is 7:15
